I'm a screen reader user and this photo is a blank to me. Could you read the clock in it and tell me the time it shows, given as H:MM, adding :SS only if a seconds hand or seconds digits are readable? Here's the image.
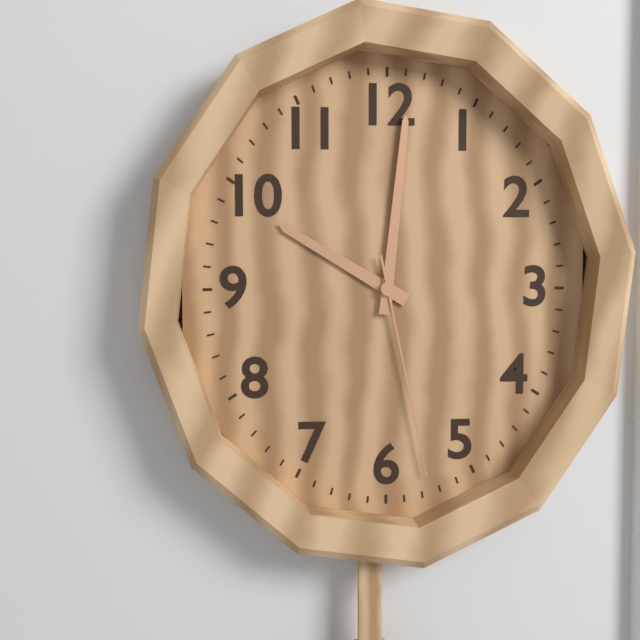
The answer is 10:01:28
